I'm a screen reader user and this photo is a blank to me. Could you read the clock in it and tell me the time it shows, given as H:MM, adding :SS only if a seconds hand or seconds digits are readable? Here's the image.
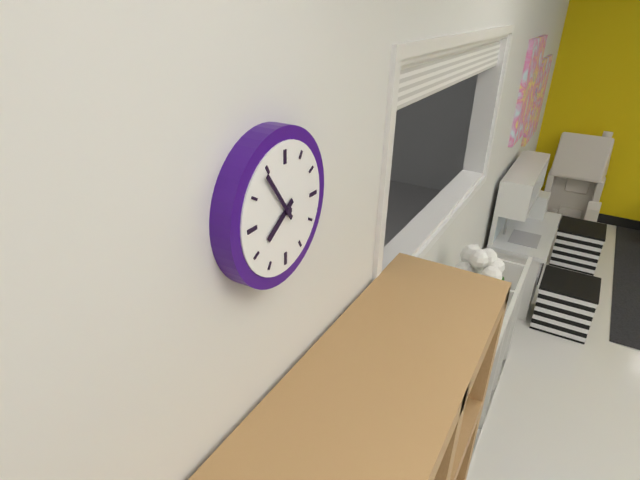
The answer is 7:54
